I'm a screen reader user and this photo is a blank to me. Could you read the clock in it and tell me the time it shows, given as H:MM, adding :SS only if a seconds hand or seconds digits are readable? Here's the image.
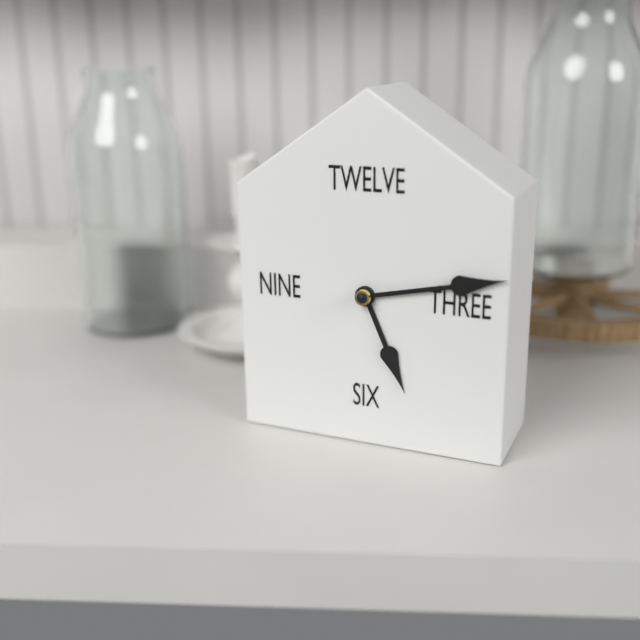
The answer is 5:13
